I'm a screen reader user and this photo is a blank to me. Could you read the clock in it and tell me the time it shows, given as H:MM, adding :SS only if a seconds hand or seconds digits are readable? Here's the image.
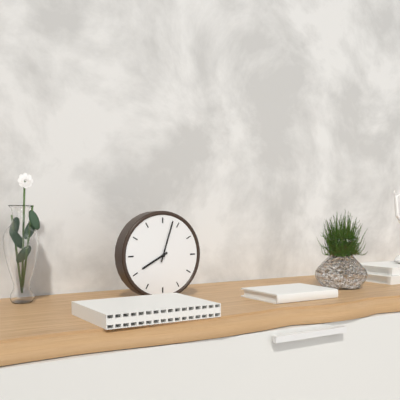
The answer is 8:03
